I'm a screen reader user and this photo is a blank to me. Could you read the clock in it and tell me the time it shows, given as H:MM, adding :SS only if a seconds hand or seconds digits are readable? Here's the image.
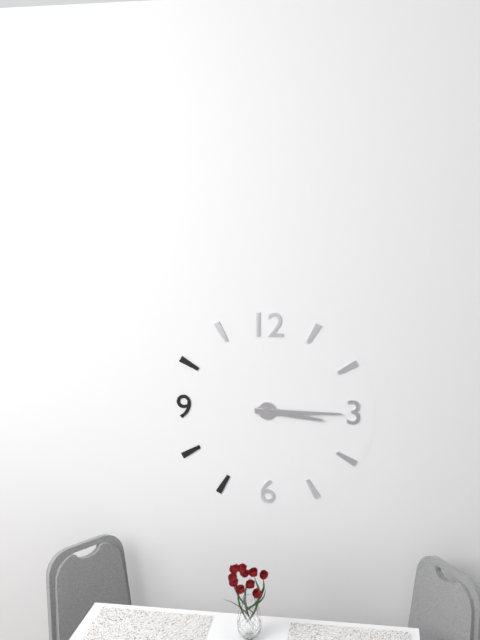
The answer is 3:15
